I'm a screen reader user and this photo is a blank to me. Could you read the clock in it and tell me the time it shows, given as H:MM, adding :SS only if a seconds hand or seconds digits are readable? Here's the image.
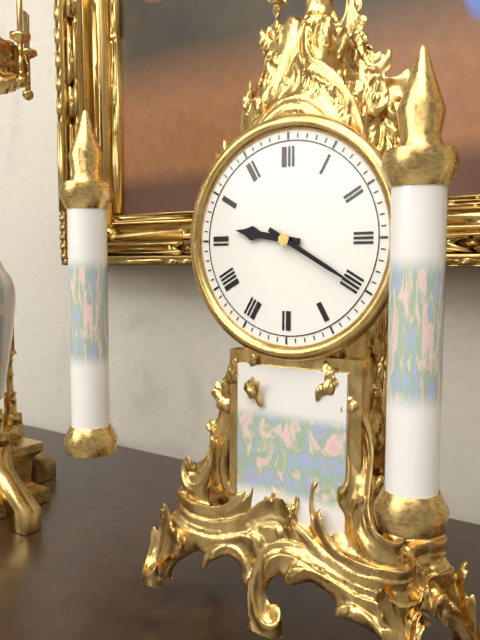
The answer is 9:20
